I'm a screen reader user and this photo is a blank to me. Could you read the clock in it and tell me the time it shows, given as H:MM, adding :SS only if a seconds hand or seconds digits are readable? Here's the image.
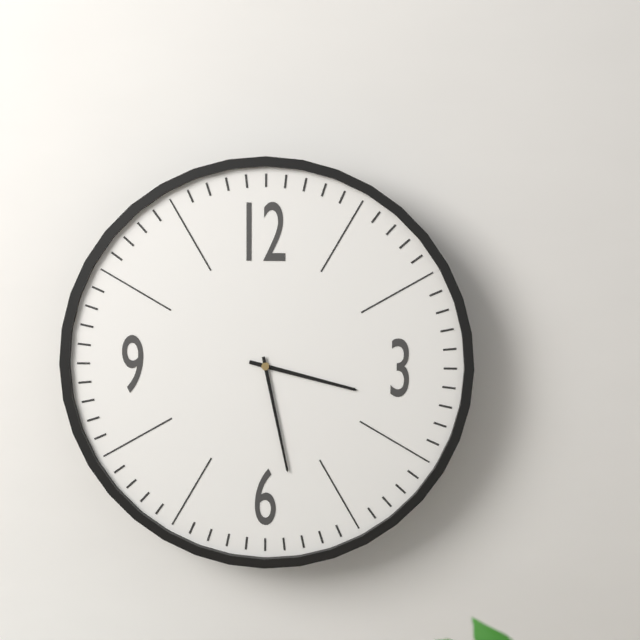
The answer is 3:28
